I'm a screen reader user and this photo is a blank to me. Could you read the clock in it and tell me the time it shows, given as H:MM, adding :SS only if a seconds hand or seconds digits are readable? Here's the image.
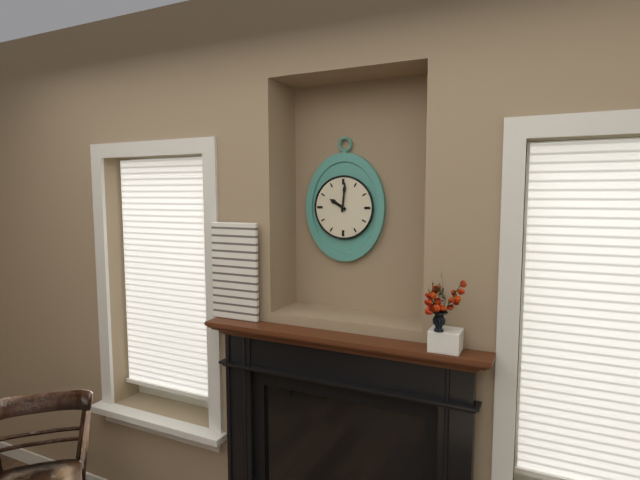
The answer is 10:01
